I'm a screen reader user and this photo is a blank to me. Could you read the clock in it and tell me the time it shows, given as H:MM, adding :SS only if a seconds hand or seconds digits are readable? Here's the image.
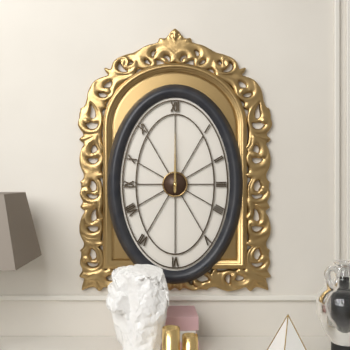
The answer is 12:00
